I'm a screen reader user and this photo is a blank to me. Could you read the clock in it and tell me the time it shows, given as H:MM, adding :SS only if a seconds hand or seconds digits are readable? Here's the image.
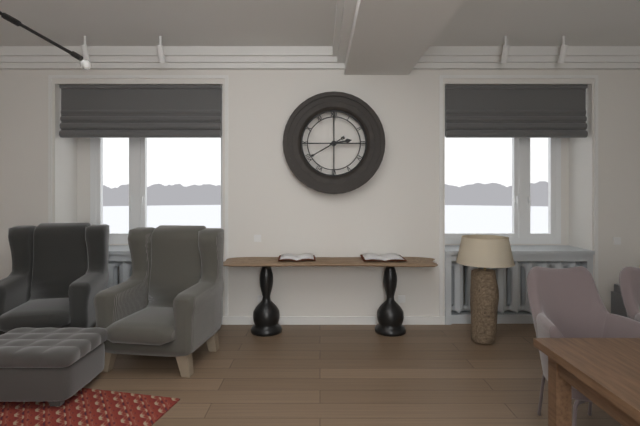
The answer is 2:40
